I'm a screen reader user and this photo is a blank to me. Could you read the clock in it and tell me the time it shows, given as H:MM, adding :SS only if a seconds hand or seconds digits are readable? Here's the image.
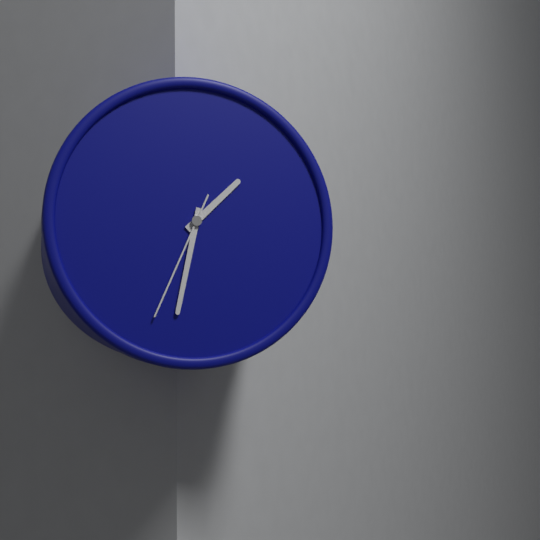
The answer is 1:32:34
